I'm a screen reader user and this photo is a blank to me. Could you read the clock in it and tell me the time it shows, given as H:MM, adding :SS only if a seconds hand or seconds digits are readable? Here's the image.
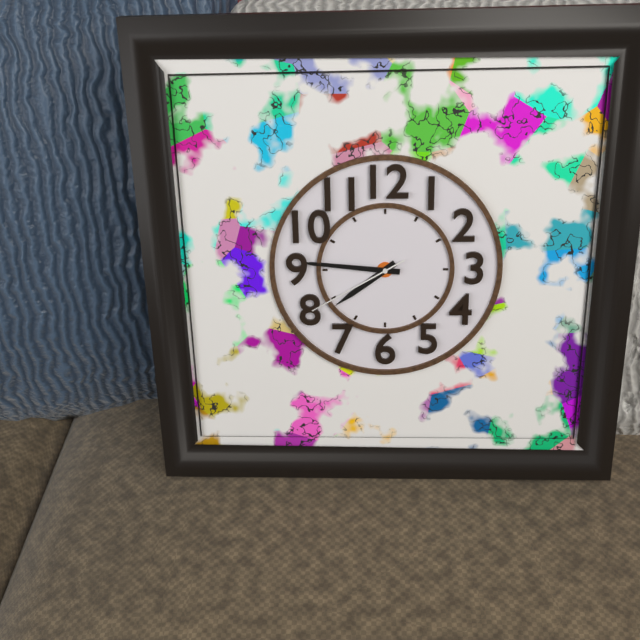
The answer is 7:46:40
